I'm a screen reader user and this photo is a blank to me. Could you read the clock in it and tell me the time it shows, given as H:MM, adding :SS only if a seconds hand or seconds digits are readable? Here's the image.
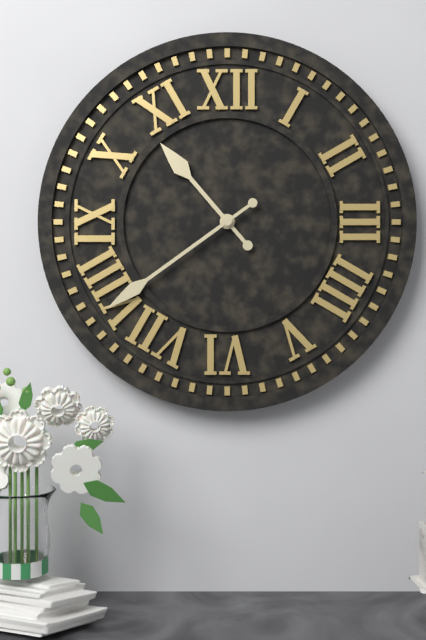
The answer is 10:39
